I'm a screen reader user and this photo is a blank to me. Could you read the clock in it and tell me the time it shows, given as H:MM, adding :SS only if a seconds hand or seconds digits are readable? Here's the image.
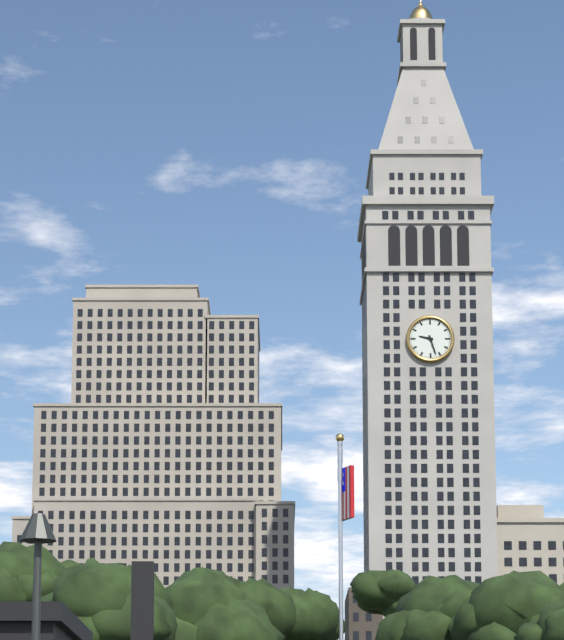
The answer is 9:27
